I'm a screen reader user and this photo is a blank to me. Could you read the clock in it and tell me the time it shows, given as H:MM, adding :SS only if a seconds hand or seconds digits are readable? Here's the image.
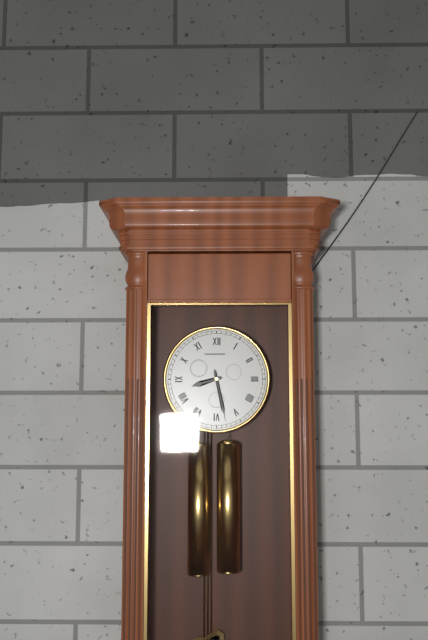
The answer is 8:28
